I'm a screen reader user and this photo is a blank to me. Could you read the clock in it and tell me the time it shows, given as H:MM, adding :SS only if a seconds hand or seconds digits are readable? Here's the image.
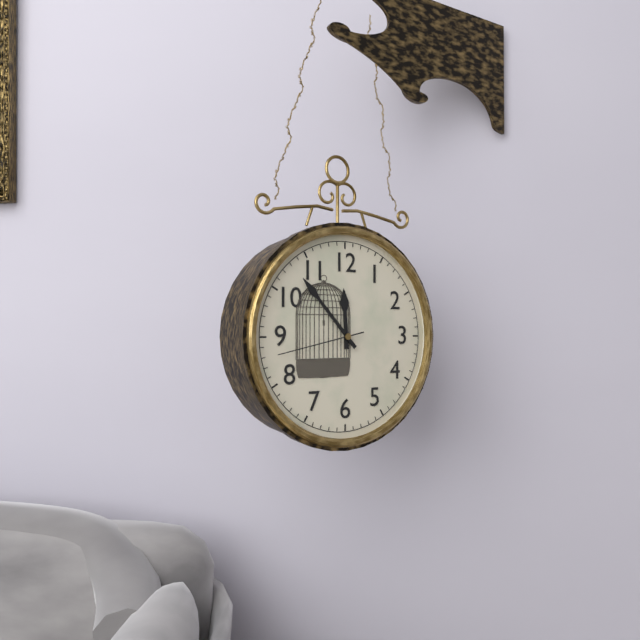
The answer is 11:53:43
